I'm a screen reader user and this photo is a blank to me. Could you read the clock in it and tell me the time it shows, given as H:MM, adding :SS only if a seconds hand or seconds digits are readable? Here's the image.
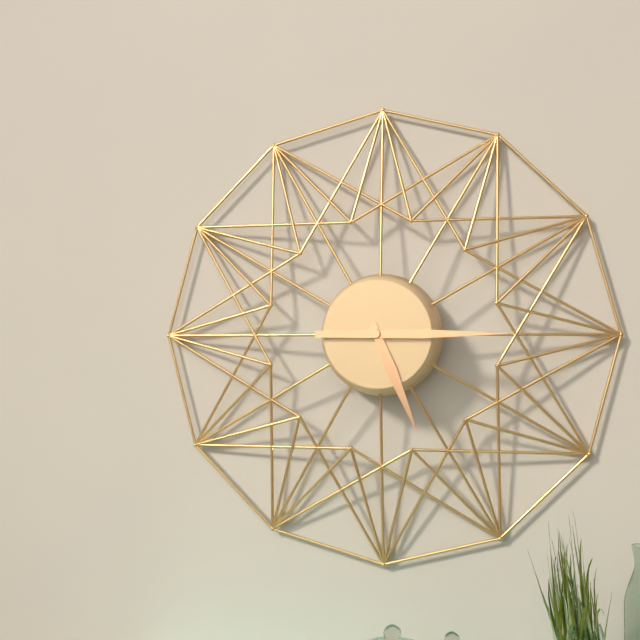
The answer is 5:15
